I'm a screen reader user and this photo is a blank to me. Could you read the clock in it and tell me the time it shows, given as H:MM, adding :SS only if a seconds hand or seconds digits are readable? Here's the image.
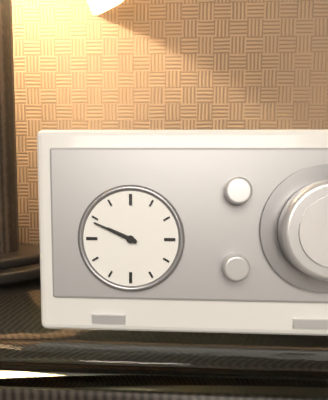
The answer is 9:49
